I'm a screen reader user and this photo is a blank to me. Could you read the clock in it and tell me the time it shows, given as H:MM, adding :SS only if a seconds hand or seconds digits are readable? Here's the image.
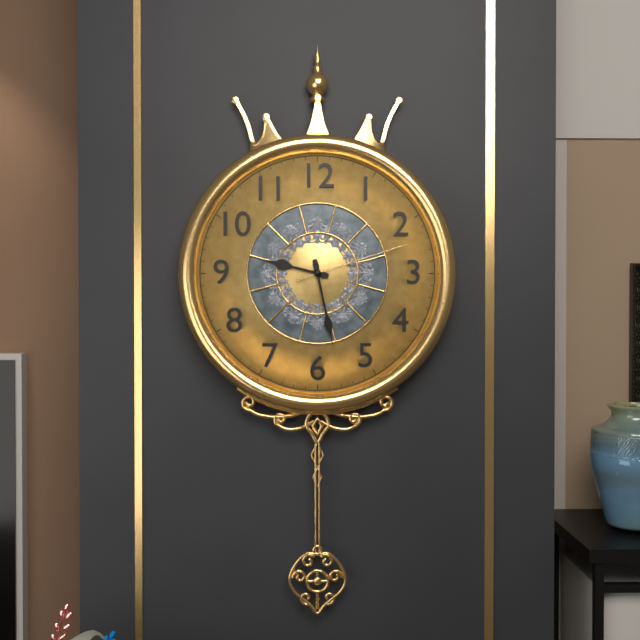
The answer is 9:28:12
